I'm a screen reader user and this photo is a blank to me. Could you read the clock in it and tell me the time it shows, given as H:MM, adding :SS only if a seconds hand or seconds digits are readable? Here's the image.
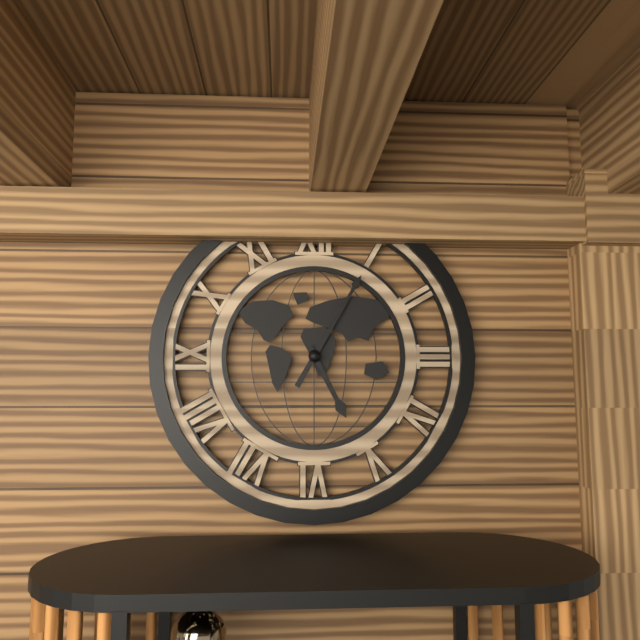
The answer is 5:05
